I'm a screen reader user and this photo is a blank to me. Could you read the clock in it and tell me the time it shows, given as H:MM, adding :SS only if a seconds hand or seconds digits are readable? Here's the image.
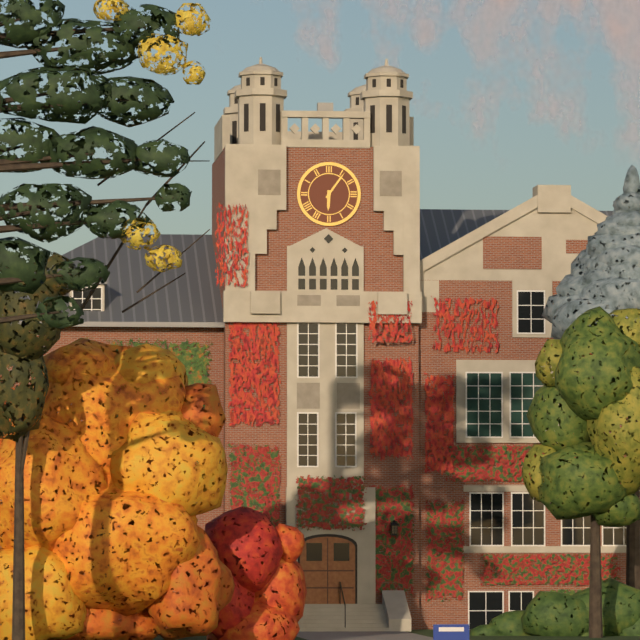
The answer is 6:06
